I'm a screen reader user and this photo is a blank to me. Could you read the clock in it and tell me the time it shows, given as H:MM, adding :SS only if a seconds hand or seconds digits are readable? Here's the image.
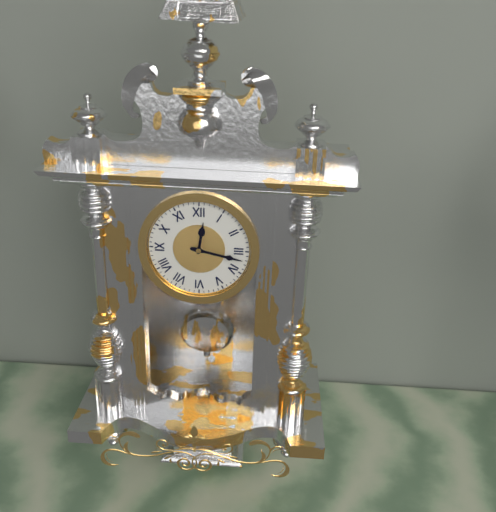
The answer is 12:17
